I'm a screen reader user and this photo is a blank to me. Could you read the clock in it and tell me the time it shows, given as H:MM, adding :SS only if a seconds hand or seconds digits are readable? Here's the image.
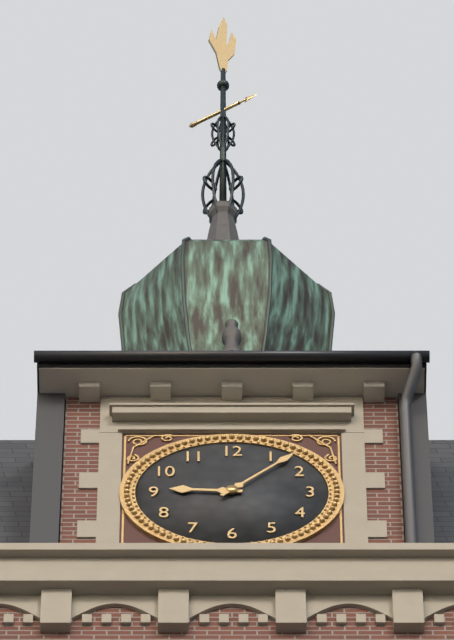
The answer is 9:07
